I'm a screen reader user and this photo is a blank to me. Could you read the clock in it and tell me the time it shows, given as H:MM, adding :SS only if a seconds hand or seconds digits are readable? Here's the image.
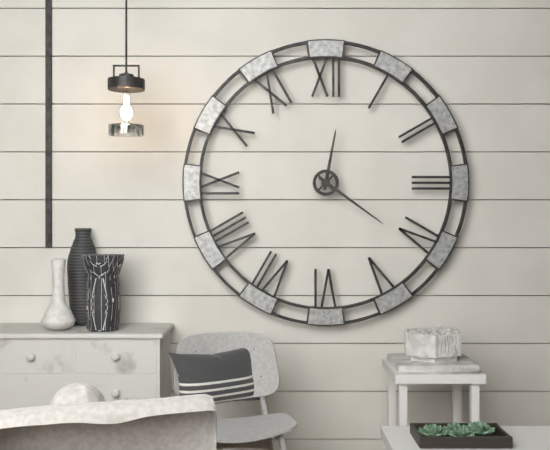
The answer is 12:21
